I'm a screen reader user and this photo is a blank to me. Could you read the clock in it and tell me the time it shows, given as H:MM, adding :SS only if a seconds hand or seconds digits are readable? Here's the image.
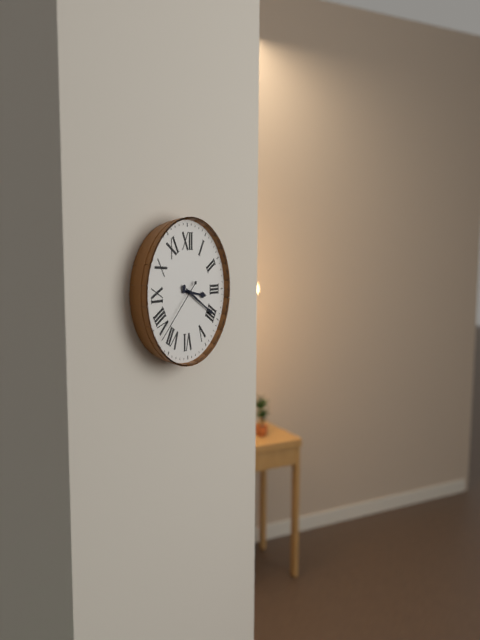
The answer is 3:20:38
